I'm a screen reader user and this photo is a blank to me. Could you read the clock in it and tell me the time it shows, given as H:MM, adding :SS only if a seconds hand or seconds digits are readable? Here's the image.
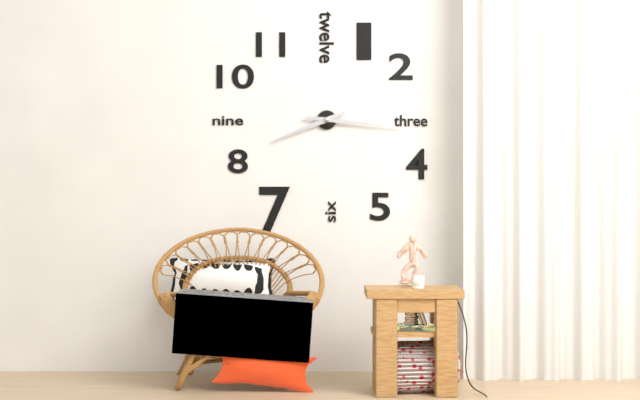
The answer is 8:16
